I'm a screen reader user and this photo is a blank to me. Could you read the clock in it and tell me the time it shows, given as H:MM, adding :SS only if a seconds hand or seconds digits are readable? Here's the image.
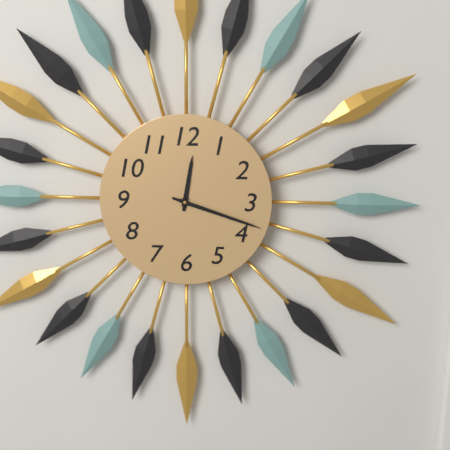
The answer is 12:18
